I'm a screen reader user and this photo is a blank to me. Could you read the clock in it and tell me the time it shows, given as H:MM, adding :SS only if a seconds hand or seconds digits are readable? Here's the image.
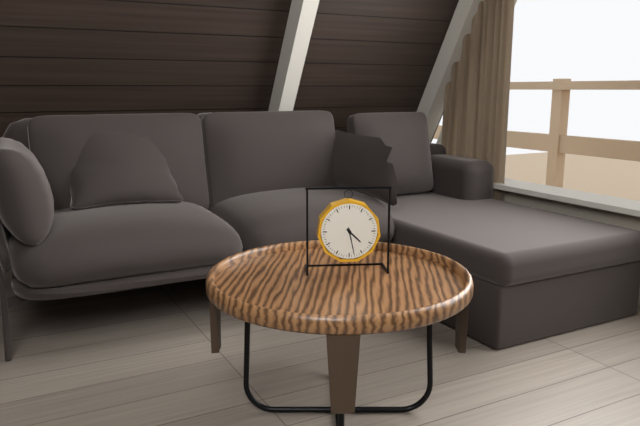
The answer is 4:28
